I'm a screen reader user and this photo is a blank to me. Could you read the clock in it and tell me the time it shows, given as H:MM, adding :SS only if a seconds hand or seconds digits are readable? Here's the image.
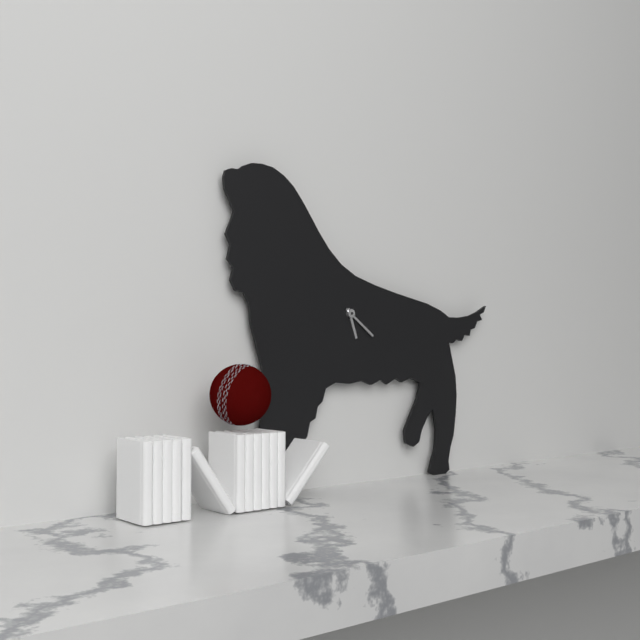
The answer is 5:21
